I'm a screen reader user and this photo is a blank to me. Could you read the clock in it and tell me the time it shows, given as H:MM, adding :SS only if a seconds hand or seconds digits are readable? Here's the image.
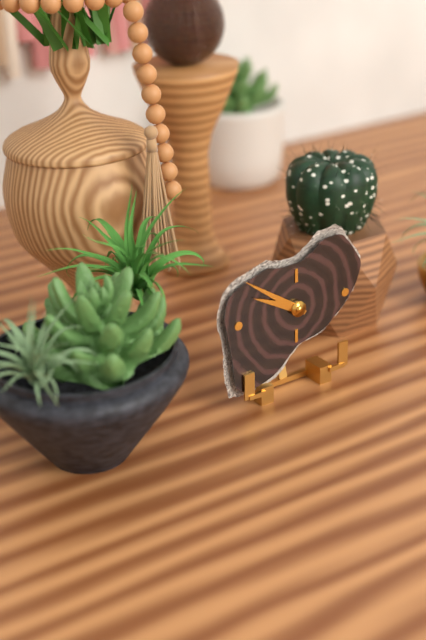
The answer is 9:51
